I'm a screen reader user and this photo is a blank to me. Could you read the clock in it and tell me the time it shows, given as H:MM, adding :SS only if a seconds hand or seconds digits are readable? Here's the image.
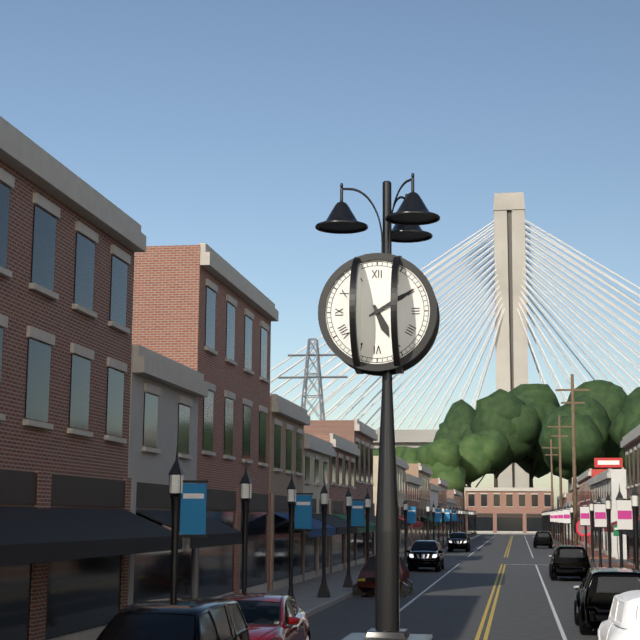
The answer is 5:10
